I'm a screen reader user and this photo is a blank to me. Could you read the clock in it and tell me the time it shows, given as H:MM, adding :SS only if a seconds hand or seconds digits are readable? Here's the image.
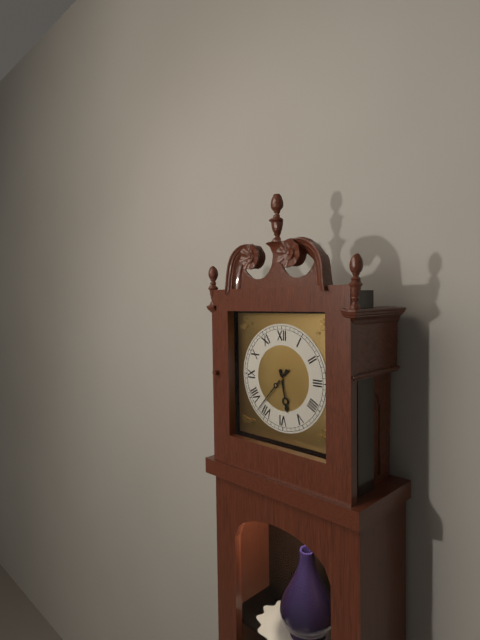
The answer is 5:37
